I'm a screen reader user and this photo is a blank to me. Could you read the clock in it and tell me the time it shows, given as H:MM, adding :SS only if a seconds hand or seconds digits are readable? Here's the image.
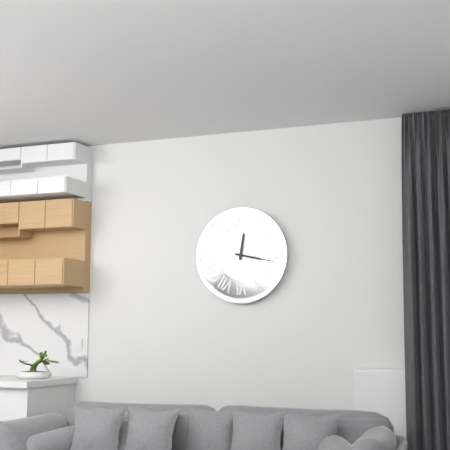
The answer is 12:17
